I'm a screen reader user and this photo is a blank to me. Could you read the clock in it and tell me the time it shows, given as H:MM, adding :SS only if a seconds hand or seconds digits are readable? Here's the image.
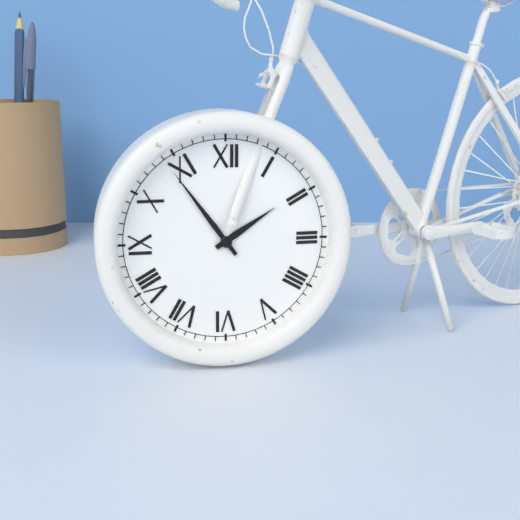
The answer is 1:54
